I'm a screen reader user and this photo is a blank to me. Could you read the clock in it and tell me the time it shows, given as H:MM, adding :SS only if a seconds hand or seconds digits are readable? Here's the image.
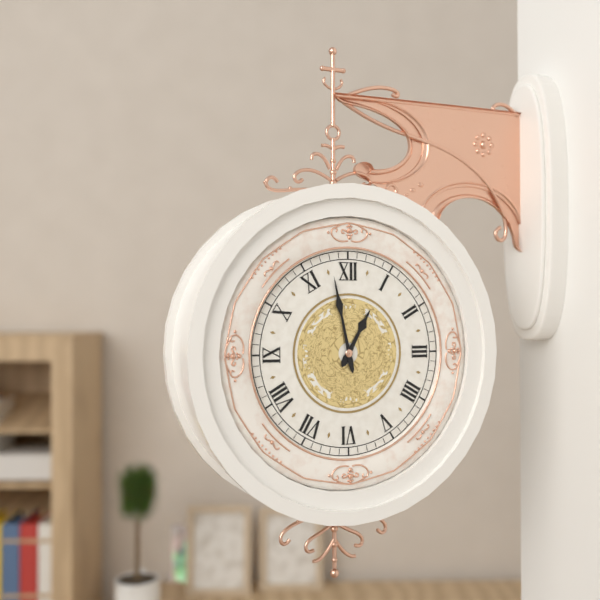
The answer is 12:58
